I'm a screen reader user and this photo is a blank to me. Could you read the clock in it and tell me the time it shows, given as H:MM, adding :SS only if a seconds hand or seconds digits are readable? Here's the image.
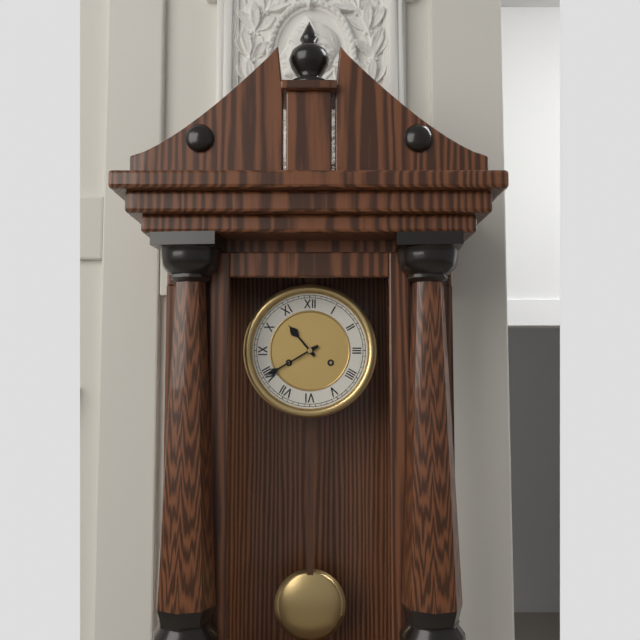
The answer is 10:40
